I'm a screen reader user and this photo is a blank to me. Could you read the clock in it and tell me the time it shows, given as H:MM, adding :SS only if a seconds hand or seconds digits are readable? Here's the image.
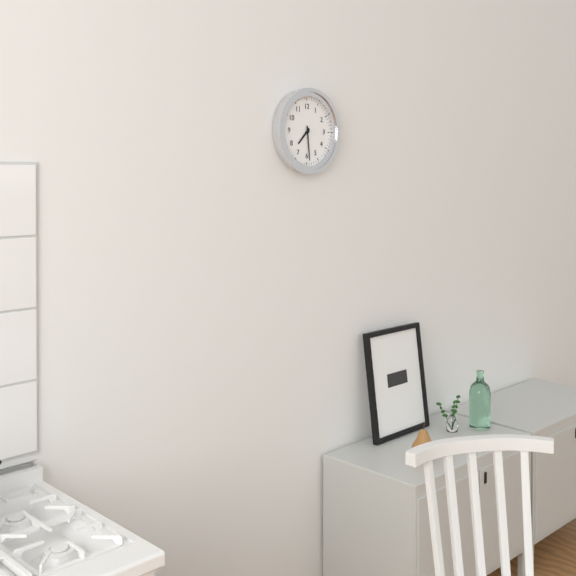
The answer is 7:29
